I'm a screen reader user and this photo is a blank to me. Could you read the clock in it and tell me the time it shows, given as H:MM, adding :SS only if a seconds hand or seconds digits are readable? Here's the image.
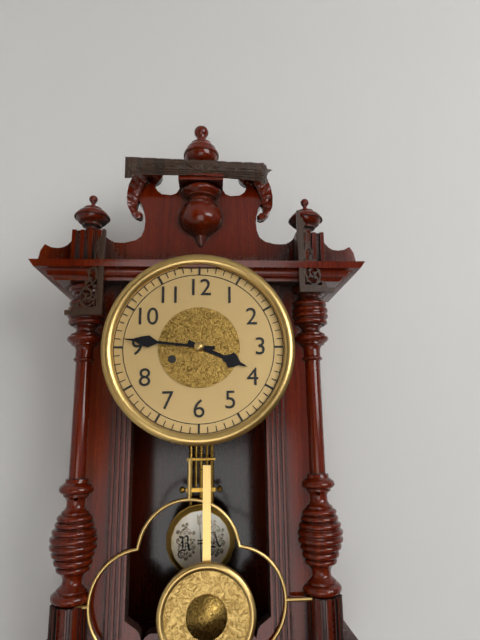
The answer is 3:46
